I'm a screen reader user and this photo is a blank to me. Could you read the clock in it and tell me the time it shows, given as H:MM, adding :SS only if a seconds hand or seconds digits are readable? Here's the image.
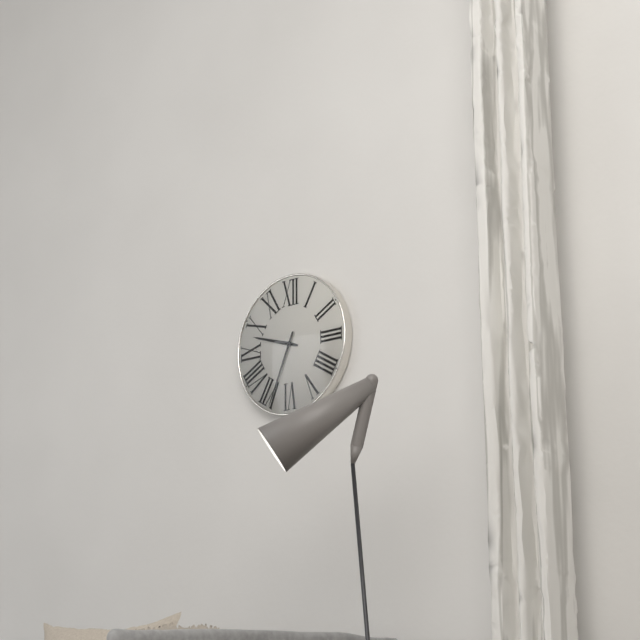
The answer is 9:34
